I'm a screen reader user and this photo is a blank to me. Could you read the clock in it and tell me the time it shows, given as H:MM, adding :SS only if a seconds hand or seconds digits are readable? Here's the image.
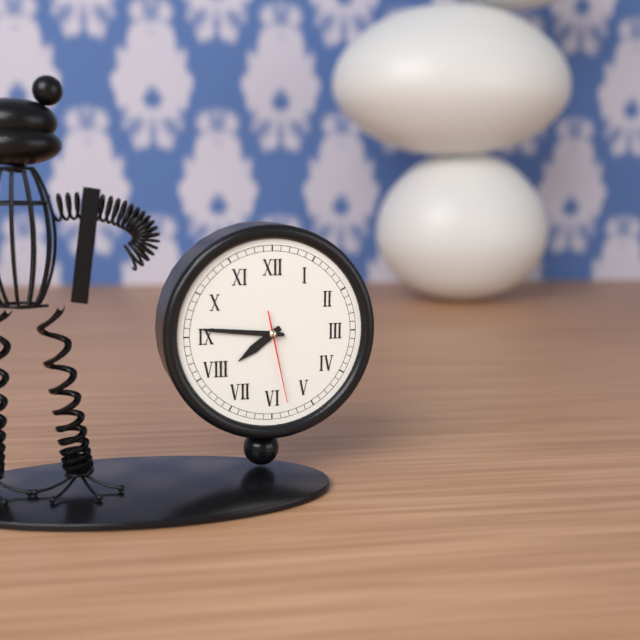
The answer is 7:46:28
